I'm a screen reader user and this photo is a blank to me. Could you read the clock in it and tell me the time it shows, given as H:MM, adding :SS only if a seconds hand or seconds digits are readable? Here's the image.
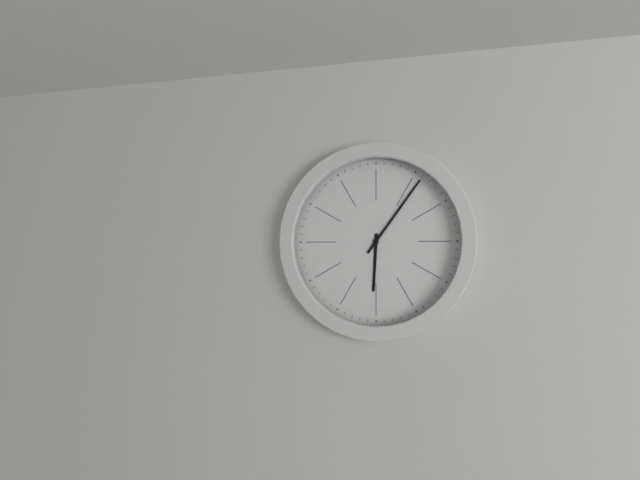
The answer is 6:06
